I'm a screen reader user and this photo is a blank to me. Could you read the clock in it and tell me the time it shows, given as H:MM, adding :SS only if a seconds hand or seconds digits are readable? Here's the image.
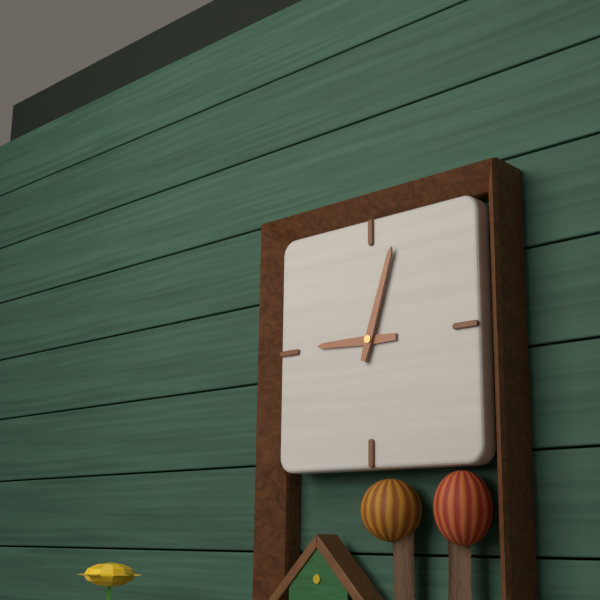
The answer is 9:03
